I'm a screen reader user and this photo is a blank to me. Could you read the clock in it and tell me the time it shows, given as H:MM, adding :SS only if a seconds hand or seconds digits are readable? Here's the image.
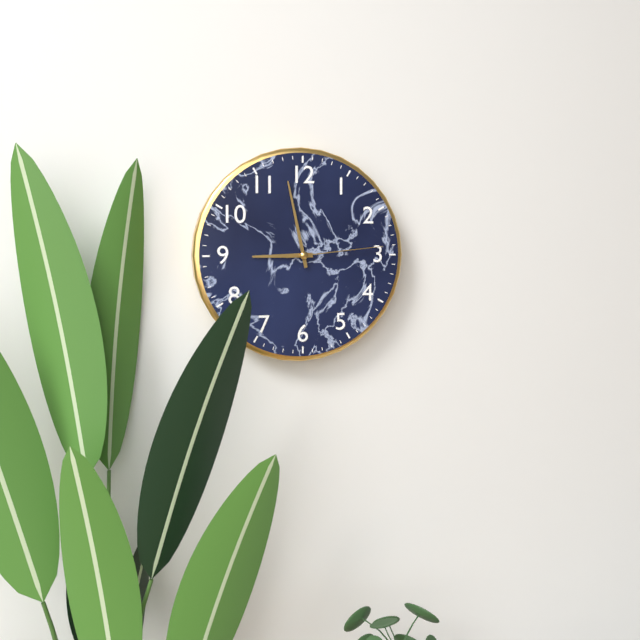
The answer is 8:58:14
